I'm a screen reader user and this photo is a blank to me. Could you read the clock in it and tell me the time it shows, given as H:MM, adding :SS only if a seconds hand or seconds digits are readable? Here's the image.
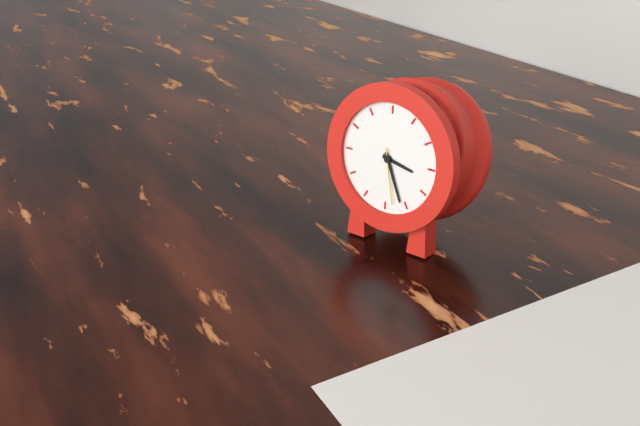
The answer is 3:26:28
